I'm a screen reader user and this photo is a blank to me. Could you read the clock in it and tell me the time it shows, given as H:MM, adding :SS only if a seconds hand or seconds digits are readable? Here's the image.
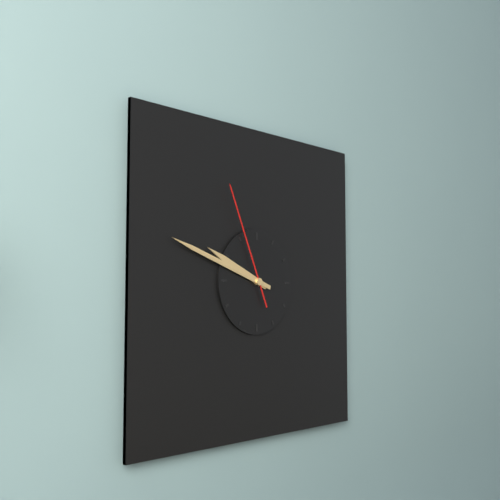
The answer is 9:48:56
